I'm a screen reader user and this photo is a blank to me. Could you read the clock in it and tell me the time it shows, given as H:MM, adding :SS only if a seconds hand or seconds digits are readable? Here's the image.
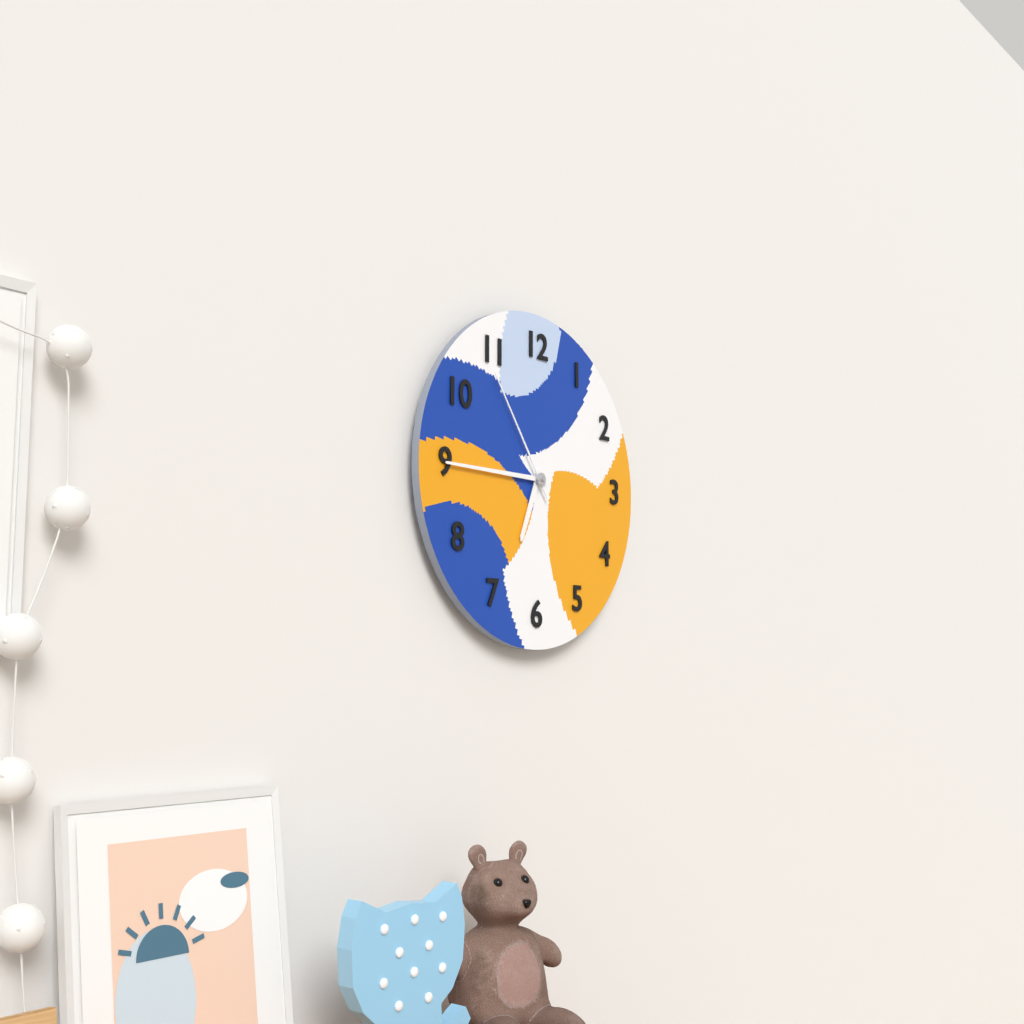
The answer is 6:45:54
